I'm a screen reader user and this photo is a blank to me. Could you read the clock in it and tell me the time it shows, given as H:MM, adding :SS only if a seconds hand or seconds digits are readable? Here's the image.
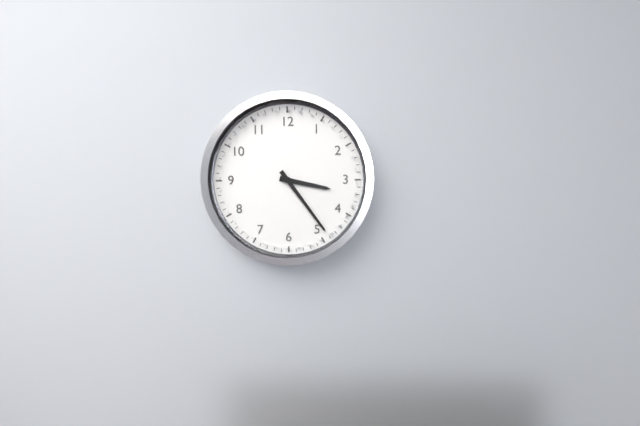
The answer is 3:24
